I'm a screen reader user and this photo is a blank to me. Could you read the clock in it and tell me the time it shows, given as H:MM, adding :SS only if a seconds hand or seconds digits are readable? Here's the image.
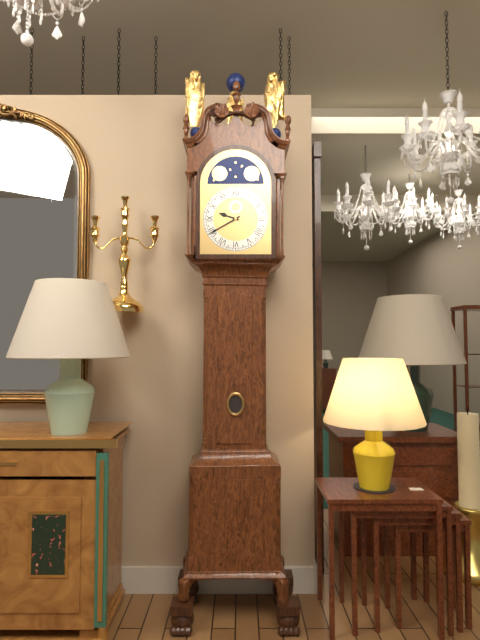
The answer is 9:40
